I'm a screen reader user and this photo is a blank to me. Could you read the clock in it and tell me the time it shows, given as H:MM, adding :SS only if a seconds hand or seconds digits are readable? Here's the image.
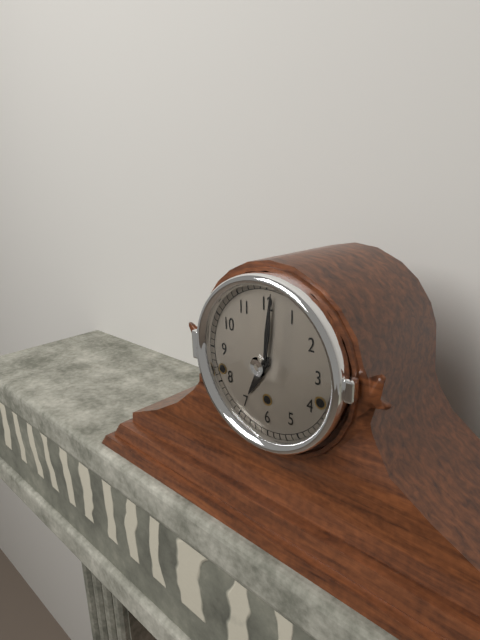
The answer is 7:01
